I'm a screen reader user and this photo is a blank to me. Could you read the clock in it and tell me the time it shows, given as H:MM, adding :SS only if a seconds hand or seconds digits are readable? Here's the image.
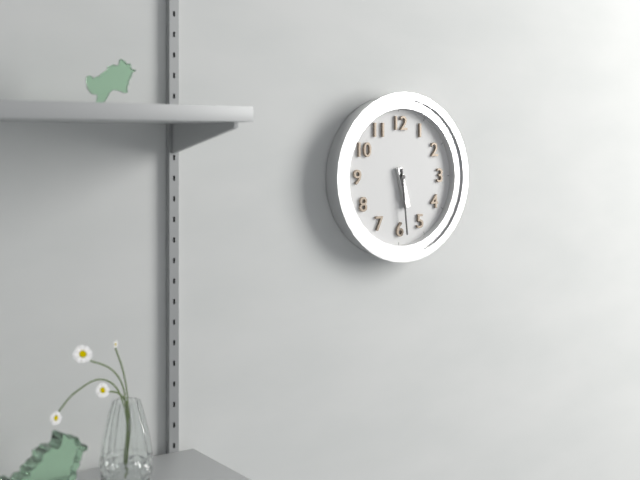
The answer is 5:29
